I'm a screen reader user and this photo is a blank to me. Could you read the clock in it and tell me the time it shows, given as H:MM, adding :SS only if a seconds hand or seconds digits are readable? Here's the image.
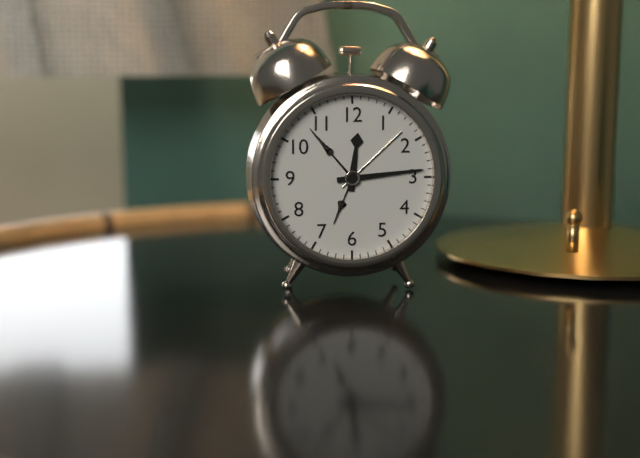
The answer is 12:14
